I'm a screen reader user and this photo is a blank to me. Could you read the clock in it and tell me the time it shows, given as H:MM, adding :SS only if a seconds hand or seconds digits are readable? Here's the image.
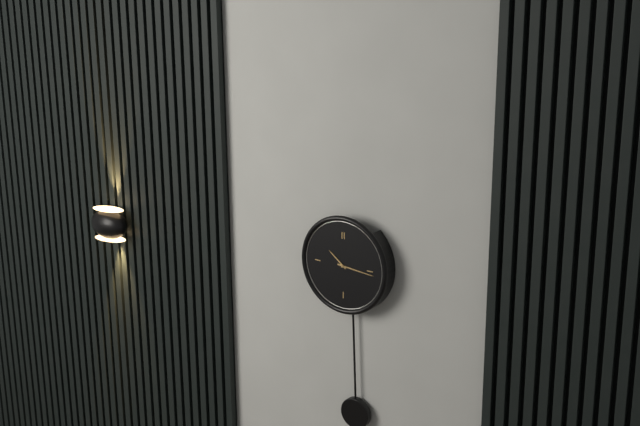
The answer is 10:16
